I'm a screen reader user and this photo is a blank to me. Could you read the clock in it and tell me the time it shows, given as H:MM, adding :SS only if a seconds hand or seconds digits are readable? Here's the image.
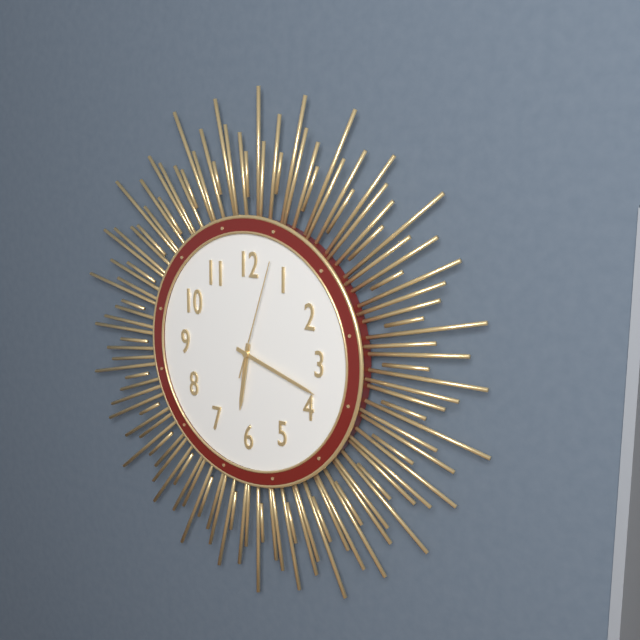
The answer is 6:18:03
